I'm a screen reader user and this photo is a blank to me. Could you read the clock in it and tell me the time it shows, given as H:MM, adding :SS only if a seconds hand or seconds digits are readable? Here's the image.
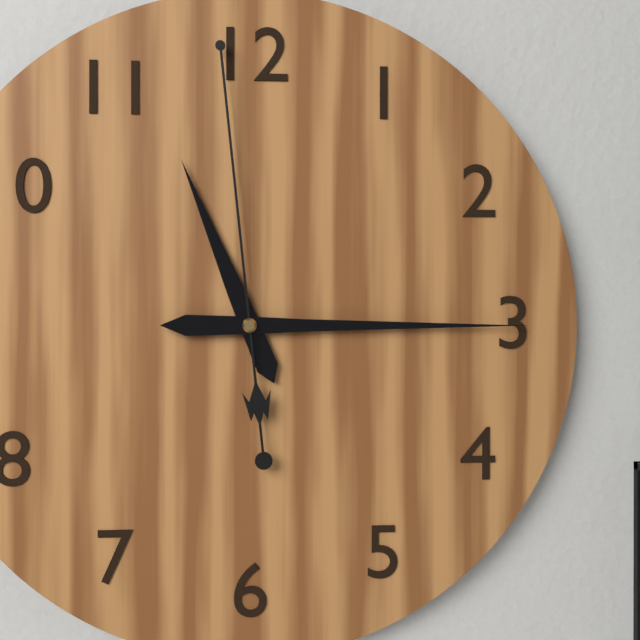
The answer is 11:15:59
